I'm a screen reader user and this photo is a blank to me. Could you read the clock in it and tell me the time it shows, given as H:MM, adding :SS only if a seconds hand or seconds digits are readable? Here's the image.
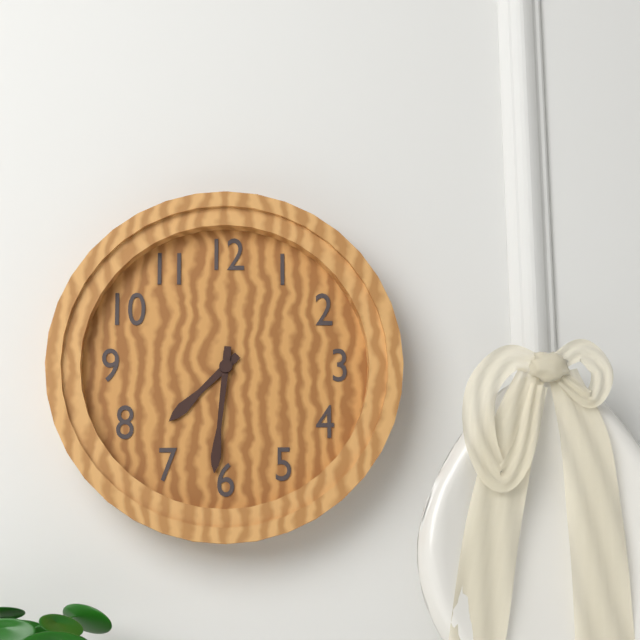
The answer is 7:31
